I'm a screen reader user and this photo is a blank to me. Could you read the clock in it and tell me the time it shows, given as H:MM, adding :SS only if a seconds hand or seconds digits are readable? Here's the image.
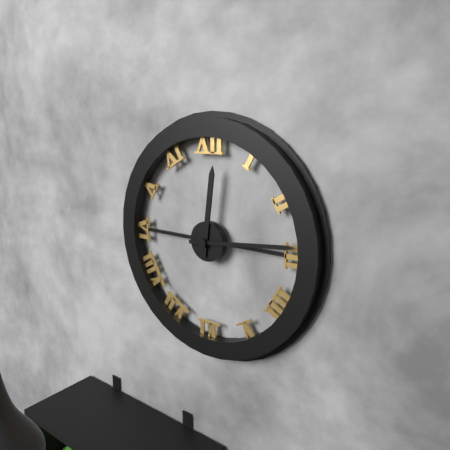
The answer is 12:14
